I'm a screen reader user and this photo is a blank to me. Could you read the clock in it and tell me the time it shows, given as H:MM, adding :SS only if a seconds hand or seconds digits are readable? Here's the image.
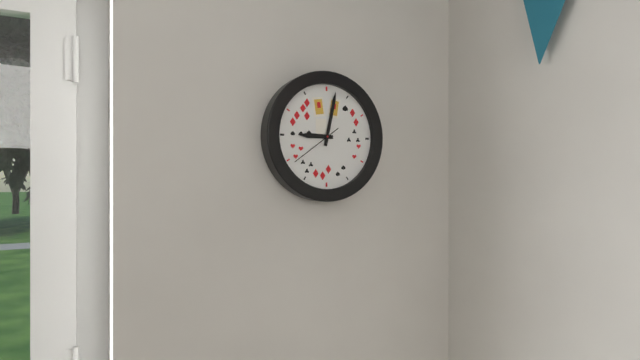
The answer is 9:02
